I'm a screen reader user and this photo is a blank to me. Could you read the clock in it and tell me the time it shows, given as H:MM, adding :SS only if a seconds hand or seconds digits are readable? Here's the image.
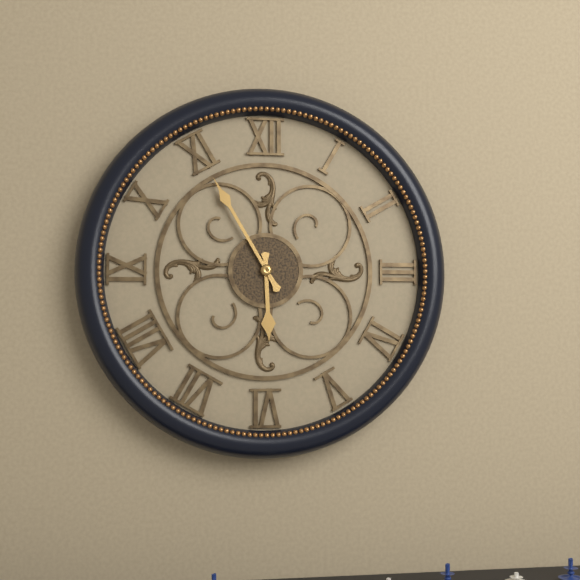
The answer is 5:55
